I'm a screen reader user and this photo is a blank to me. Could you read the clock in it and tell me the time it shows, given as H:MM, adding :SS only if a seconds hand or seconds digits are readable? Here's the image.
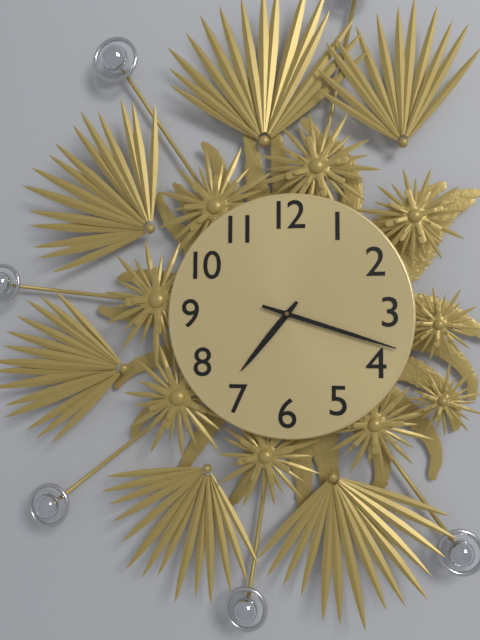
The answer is 7:18
